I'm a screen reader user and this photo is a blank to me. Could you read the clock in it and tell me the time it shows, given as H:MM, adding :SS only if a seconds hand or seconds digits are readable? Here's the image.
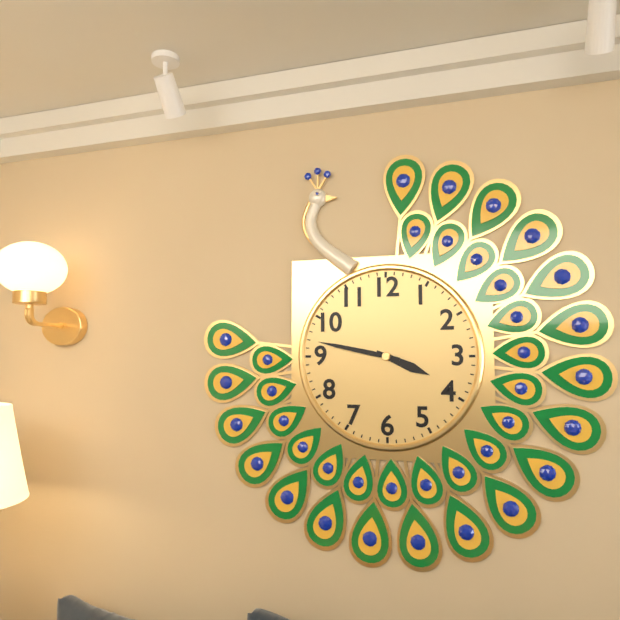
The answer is 3:47
